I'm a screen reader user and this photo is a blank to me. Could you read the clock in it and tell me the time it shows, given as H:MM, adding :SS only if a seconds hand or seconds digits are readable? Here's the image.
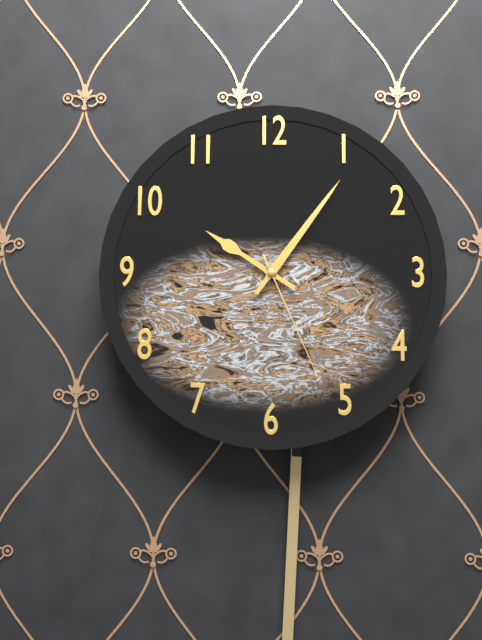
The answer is 10:06:26
